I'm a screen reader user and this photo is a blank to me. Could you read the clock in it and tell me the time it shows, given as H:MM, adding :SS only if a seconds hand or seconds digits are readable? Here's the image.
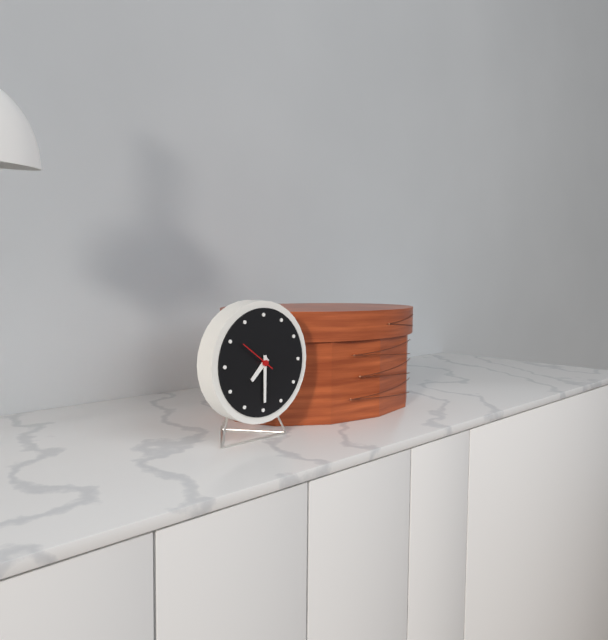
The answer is 7:30
